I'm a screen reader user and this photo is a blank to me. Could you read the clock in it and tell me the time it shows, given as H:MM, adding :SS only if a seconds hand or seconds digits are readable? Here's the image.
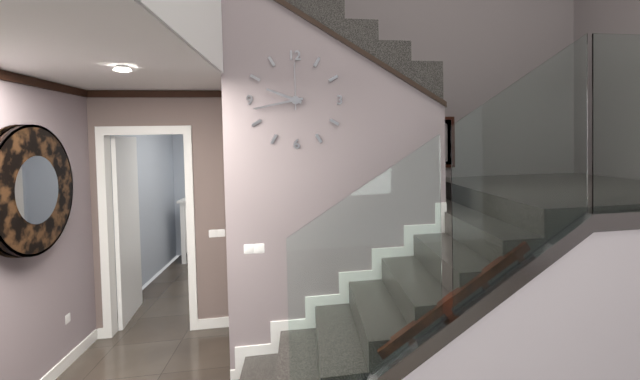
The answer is 9:43
